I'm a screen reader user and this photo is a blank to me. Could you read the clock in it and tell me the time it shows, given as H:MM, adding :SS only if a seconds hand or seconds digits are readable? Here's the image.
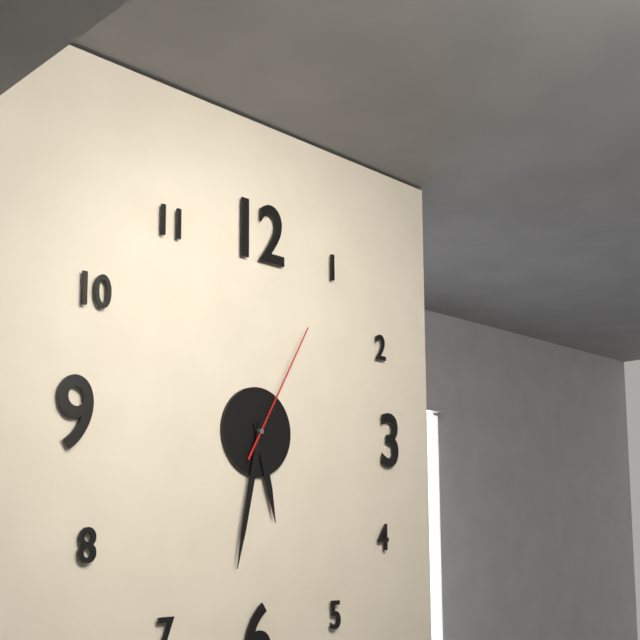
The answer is 5:32:05
